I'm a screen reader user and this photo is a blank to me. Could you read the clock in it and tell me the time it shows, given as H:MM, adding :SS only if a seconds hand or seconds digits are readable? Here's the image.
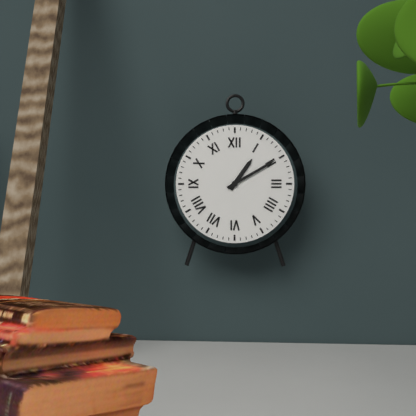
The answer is 1:10
